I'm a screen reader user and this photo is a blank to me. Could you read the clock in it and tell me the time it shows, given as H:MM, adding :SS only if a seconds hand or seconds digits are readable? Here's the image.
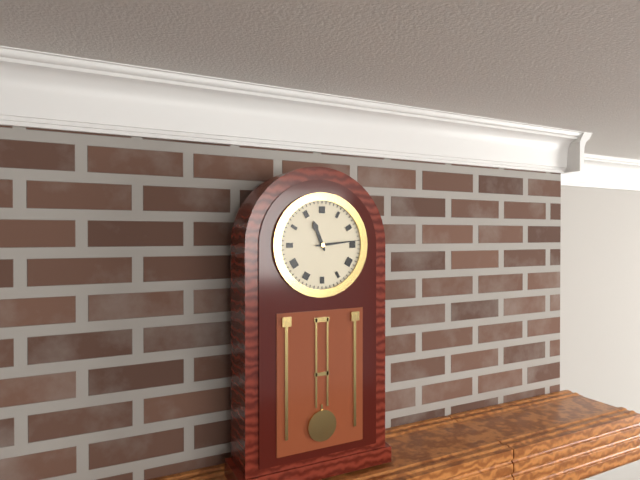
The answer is 11:14
